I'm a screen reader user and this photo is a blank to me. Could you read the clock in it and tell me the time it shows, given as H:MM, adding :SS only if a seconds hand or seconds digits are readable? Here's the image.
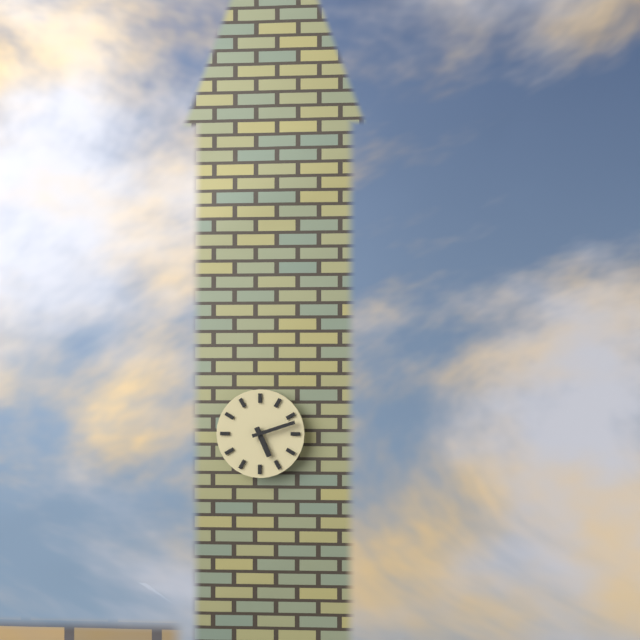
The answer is 5:12
